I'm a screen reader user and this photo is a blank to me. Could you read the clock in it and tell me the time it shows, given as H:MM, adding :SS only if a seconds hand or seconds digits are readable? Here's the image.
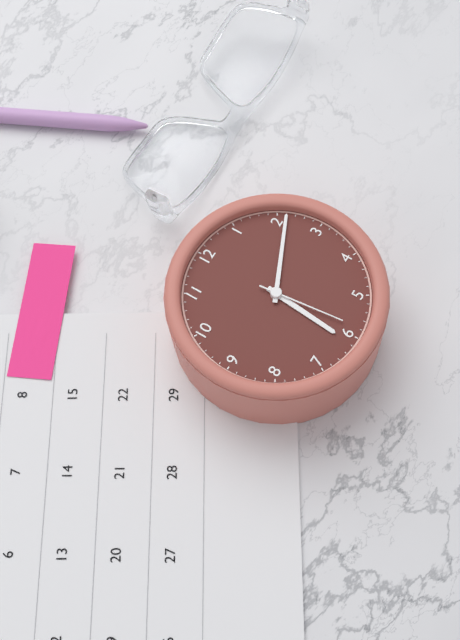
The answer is 6:11:29
